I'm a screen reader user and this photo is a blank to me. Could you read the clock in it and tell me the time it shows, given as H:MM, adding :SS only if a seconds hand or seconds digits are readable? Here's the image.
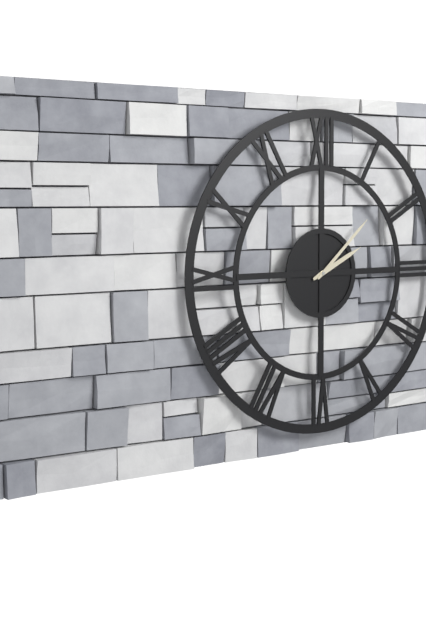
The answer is 2:08
